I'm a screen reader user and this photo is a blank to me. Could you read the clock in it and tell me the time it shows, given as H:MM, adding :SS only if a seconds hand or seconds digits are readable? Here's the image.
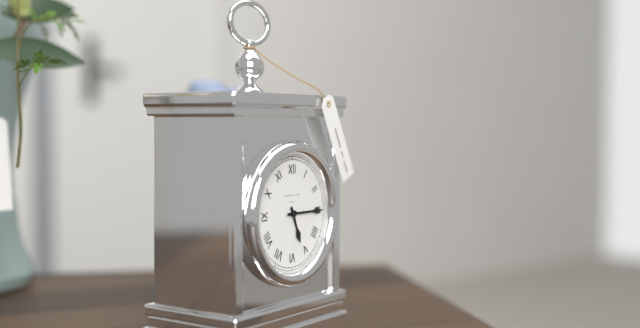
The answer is 5:15
